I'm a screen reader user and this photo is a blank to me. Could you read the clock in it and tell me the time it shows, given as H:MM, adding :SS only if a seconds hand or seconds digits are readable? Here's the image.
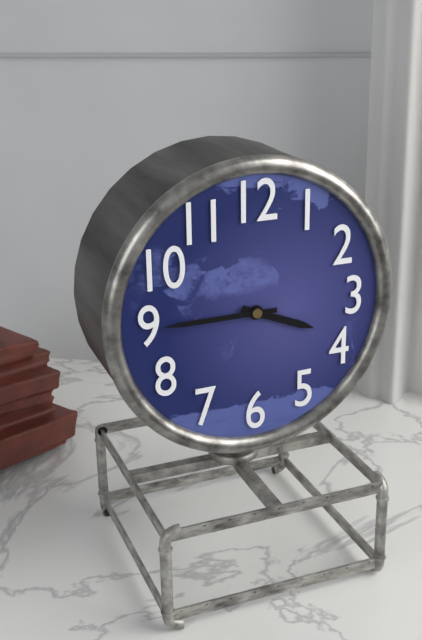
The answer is 3:45
